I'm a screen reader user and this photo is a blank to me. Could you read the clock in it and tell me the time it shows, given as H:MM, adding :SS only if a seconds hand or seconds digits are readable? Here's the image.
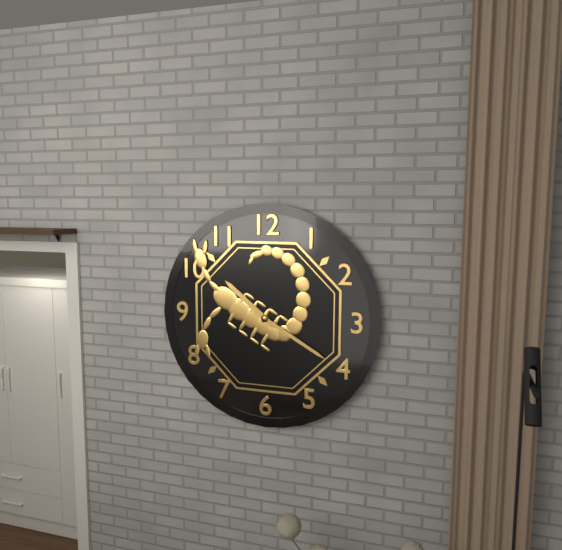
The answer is 10:20
